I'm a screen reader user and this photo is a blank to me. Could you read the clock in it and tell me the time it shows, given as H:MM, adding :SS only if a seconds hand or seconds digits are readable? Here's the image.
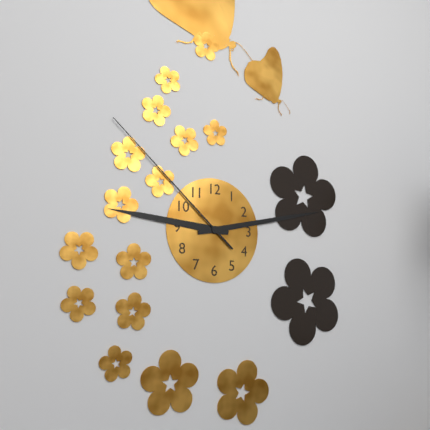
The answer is 9:13:52
